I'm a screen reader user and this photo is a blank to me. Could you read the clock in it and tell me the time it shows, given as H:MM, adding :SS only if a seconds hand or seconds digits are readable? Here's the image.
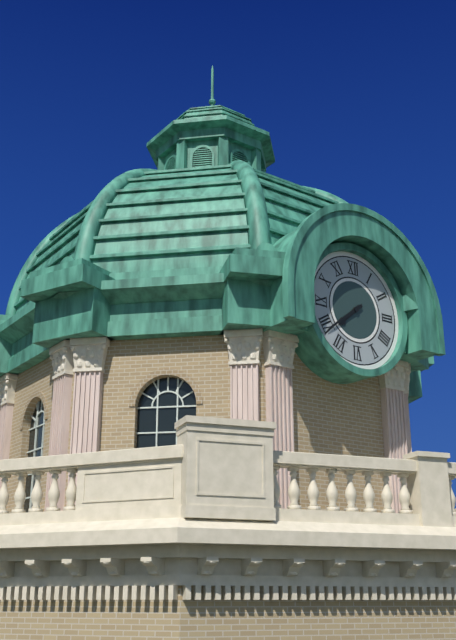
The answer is 7:39
